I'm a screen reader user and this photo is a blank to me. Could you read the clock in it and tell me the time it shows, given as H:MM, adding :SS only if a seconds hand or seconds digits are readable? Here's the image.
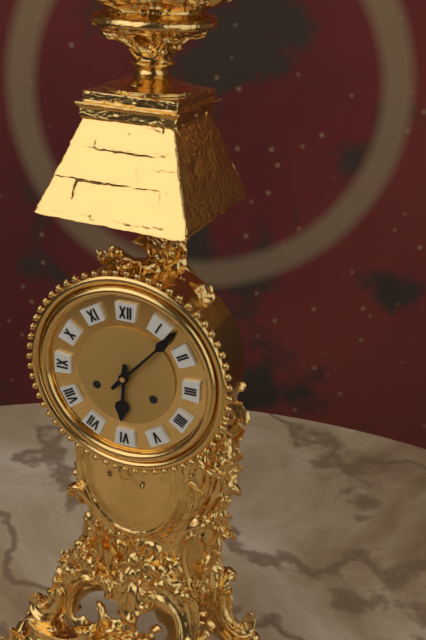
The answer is 6:07
